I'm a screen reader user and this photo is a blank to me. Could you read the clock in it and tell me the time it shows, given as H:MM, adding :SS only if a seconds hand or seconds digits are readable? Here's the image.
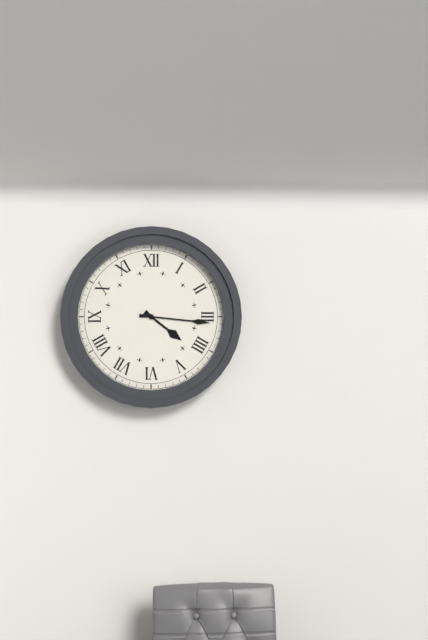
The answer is 4:16
